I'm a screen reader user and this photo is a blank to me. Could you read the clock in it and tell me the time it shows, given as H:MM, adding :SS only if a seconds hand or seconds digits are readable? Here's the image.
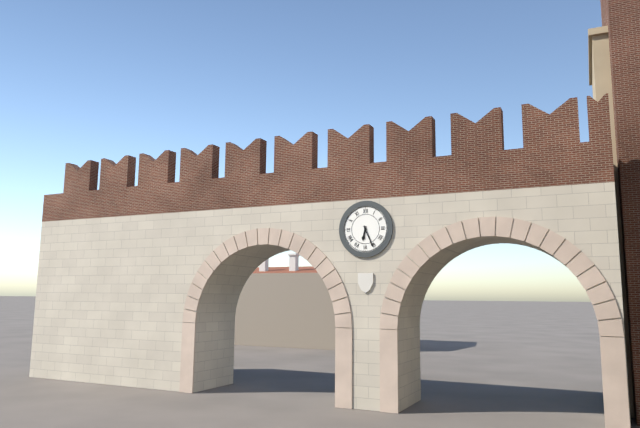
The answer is 6:26
